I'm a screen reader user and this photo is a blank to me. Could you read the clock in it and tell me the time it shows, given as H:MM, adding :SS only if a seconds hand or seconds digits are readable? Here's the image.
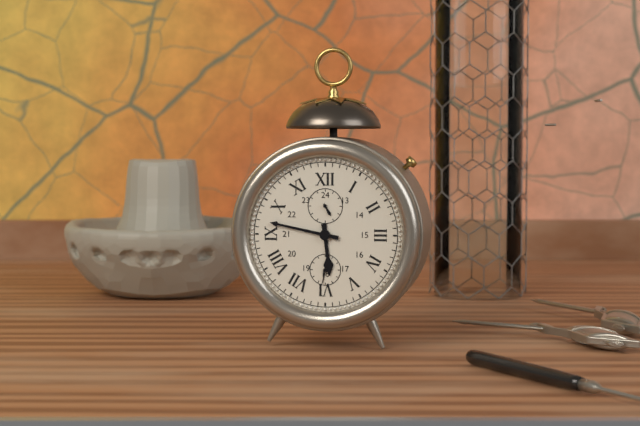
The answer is 5:47
